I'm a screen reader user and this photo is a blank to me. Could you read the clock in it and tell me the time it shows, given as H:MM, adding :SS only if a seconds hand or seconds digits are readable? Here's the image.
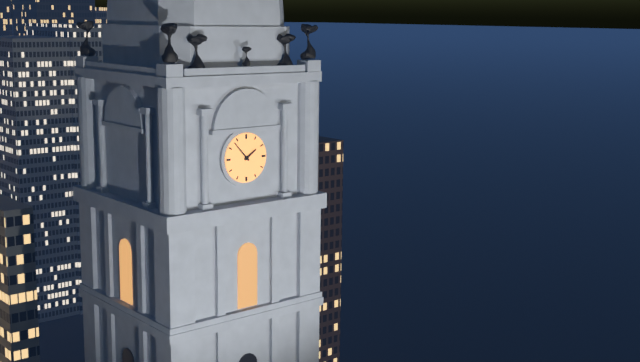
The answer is 1:53
